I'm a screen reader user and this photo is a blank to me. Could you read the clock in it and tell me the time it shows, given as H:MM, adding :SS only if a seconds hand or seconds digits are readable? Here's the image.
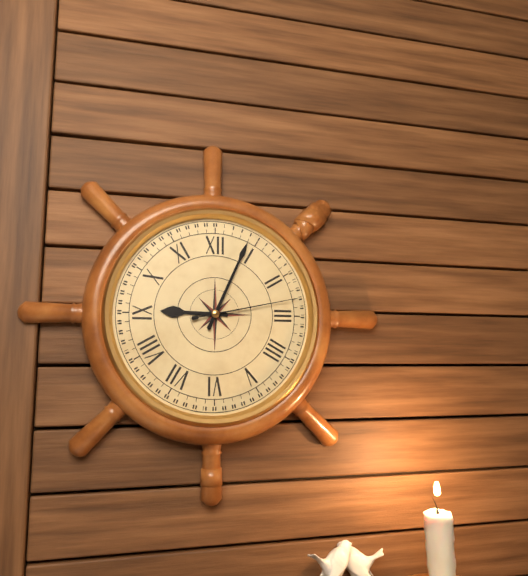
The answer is 9:04:13
